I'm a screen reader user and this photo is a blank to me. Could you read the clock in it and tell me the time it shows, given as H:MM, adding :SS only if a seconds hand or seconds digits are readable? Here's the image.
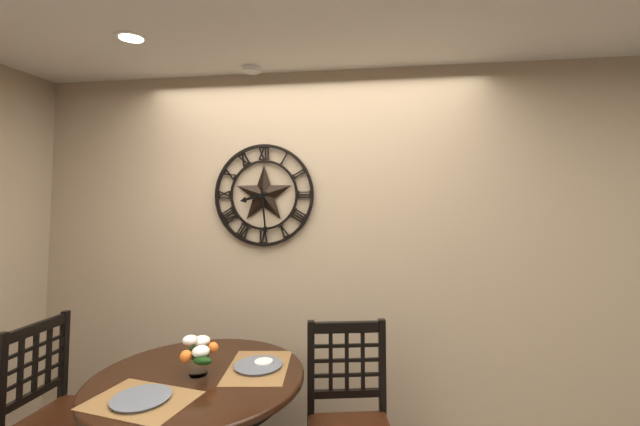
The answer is 8:29
